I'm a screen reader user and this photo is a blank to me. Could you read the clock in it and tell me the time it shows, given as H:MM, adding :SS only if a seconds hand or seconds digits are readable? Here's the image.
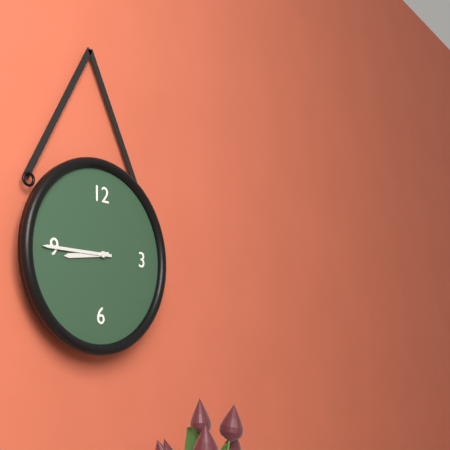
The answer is 8:45
